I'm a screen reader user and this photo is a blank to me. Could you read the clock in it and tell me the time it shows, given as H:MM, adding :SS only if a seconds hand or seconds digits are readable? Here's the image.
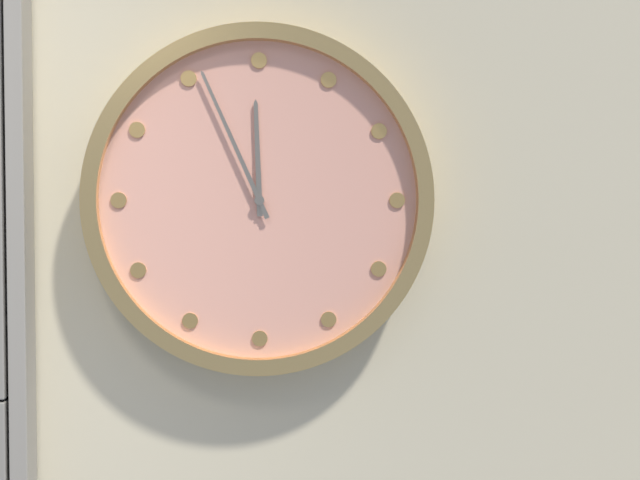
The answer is 11:56
